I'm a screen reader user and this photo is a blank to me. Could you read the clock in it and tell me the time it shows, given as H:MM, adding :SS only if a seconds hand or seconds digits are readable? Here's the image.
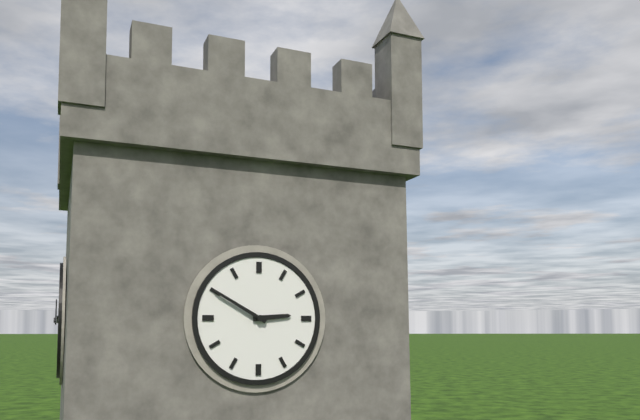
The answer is 2:50
